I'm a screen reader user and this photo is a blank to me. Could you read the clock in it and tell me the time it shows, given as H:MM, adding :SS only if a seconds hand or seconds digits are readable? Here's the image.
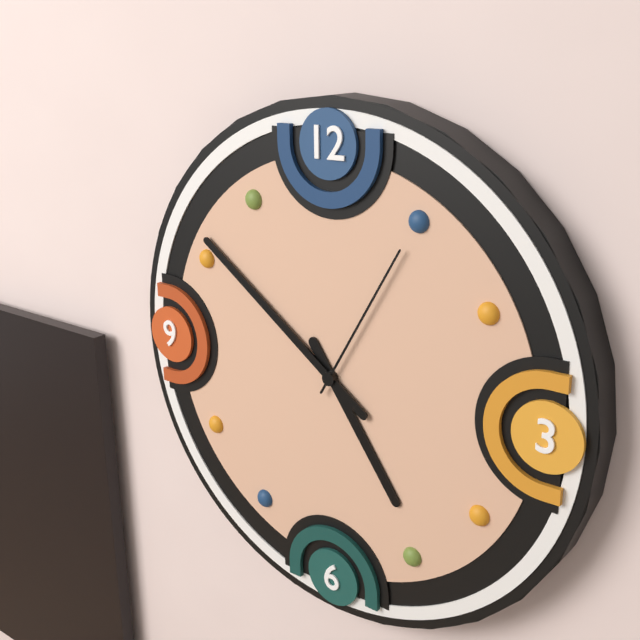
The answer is 4:51:05
